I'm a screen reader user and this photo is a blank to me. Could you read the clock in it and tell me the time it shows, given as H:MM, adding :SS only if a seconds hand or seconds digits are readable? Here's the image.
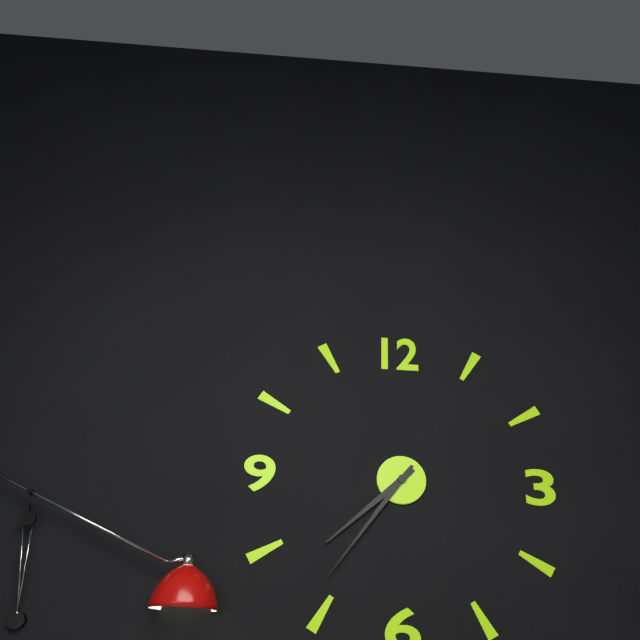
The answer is 7:36
